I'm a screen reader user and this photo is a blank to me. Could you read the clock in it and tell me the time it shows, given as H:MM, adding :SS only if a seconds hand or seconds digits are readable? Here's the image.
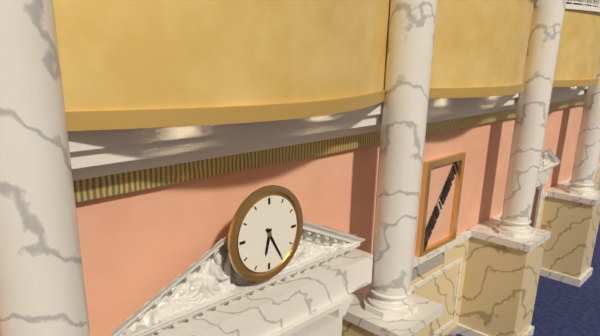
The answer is 6:25
